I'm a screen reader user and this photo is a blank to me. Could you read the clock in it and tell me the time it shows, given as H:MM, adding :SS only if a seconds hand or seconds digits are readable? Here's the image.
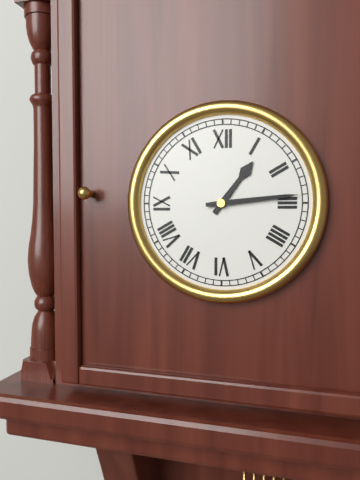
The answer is 1:14
